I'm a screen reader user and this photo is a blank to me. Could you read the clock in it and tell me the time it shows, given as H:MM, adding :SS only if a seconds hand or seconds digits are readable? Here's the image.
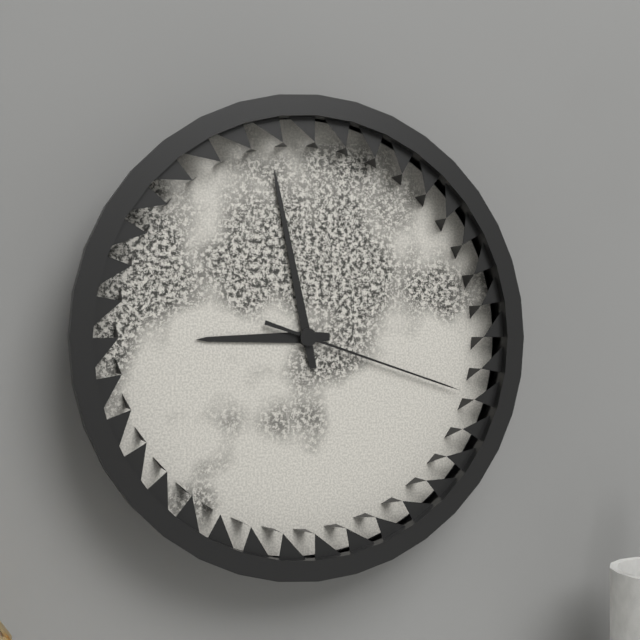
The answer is 8:58:18
